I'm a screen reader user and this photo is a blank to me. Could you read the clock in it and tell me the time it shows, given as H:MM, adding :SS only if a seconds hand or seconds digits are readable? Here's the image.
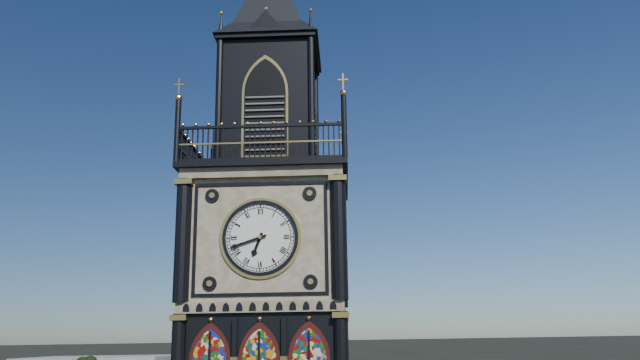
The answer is 6:42
